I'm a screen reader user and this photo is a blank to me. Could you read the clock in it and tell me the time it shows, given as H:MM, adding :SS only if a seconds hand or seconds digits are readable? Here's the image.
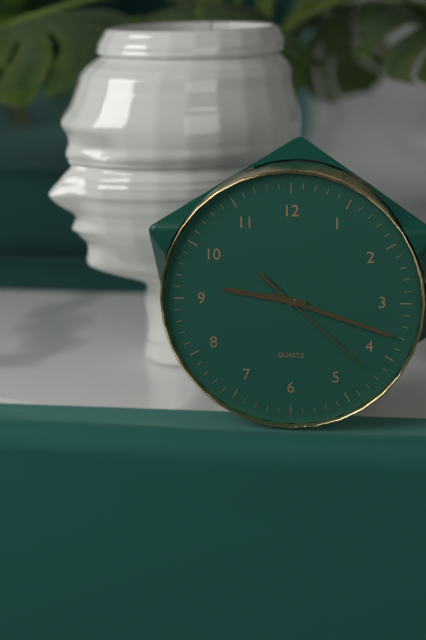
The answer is 9:18:22
